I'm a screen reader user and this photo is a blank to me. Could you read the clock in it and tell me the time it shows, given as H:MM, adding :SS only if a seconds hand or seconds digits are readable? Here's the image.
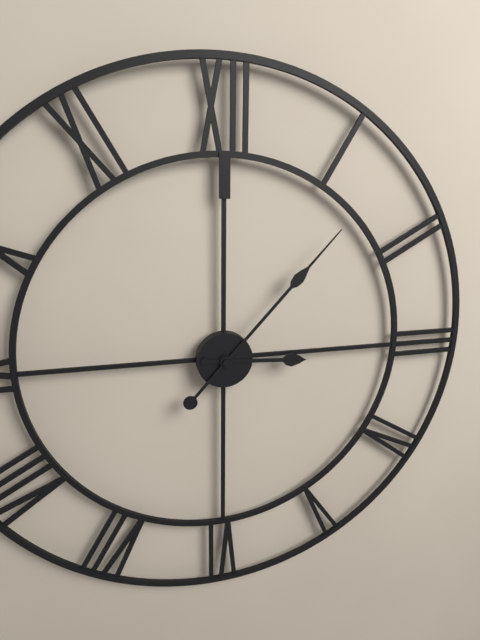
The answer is 3:07
